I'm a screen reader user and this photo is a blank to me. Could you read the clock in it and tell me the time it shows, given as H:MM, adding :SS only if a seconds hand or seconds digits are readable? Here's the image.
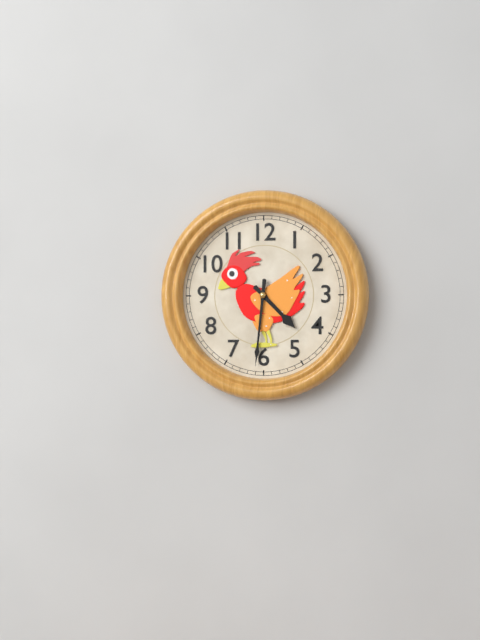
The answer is 4:31
